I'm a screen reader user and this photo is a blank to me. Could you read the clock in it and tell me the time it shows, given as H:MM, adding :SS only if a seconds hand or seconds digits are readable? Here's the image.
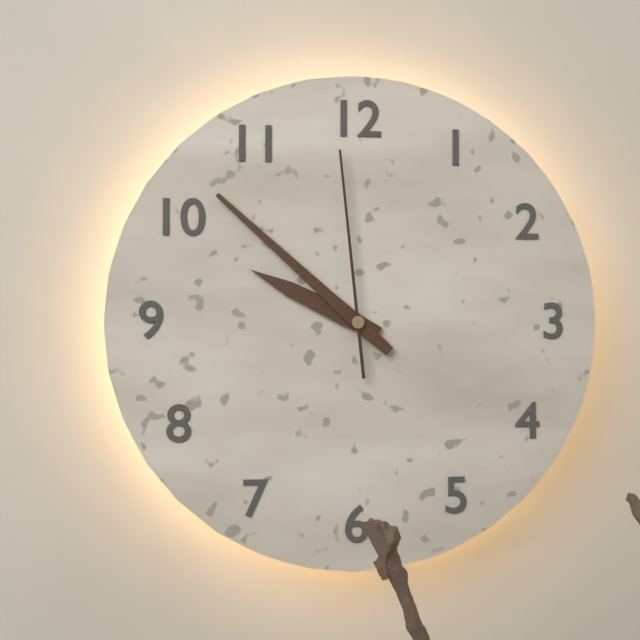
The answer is 9:52:59
